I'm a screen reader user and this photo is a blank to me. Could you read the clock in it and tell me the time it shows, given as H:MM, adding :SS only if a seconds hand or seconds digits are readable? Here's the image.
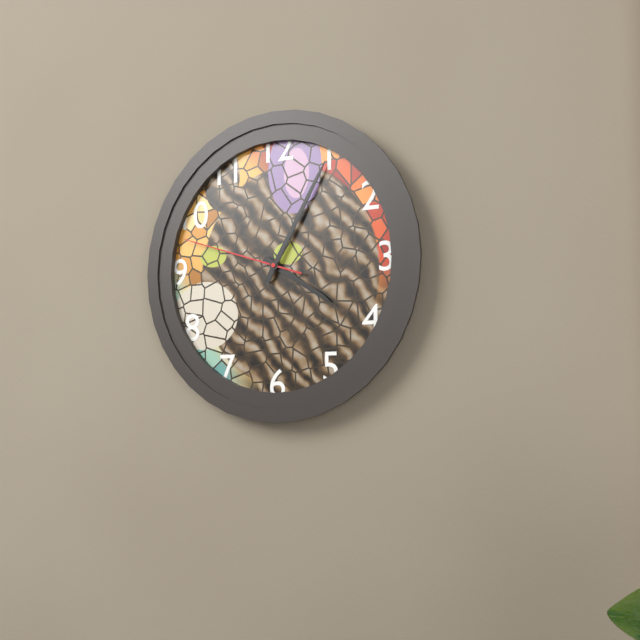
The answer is 4:05:48
